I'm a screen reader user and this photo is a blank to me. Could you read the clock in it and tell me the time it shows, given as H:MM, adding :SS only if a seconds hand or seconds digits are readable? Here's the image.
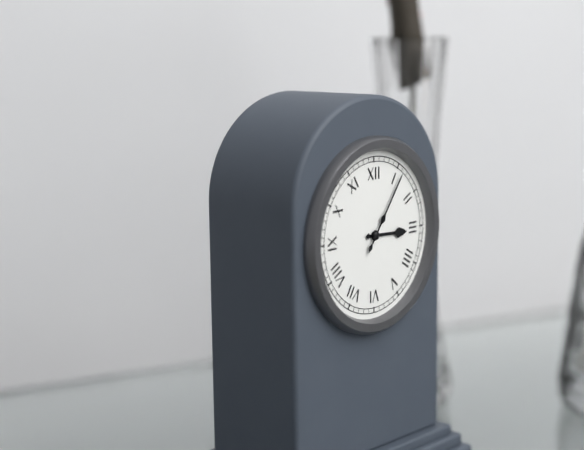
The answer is 3:06
